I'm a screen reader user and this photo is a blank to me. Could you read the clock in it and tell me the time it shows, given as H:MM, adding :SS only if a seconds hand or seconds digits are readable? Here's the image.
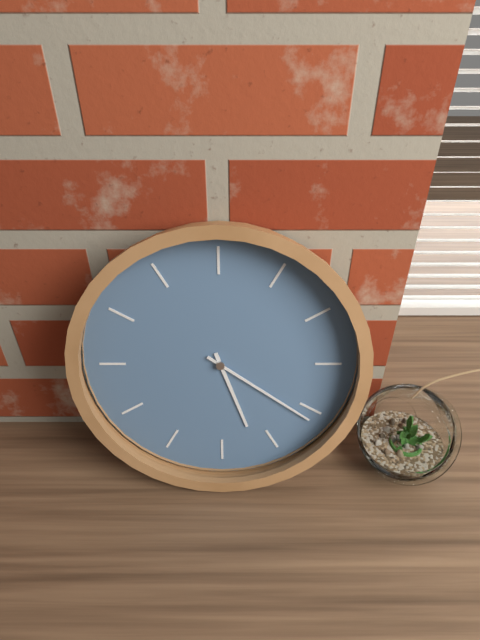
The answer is 5:21
